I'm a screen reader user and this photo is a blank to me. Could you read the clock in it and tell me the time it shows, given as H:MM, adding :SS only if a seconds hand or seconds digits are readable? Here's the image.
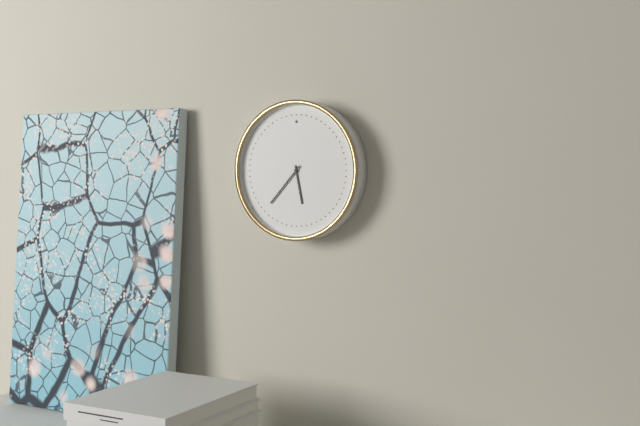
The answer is 5:37
